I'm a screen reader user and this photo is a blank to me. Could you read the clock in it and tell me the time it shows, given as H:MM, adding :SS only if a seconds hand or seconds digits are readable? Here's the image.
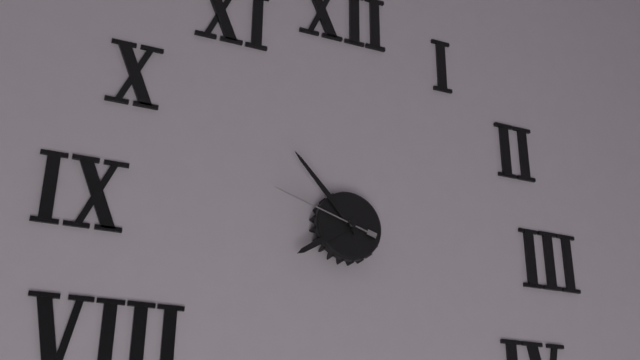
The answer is 7:53:48
